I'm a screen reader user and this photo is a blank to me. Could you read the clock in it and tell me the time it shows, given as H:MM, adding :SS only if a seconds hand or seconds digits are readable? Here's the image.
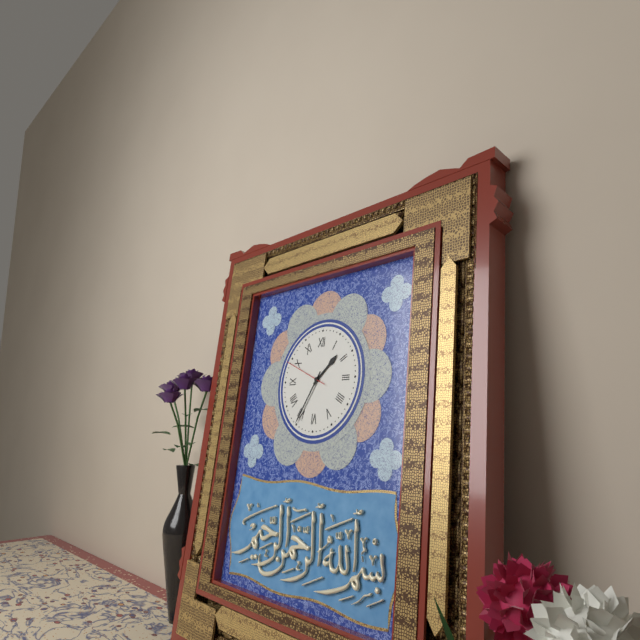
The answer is 1:35
